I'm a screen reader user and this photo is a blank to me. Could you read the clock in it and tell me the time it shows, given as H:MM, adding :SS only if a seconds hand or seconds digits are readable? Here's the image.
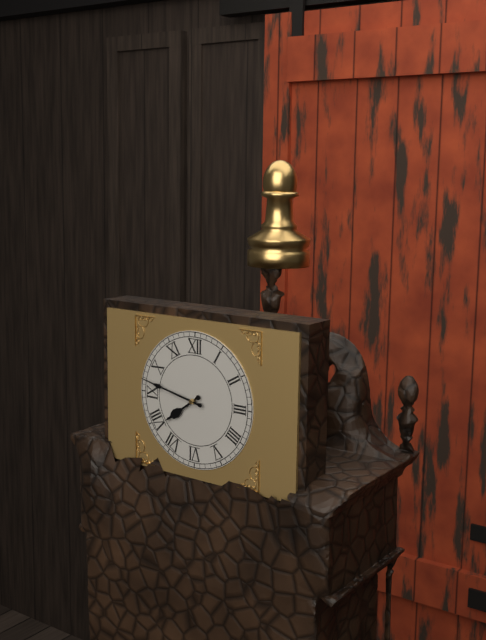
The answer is 7:47
